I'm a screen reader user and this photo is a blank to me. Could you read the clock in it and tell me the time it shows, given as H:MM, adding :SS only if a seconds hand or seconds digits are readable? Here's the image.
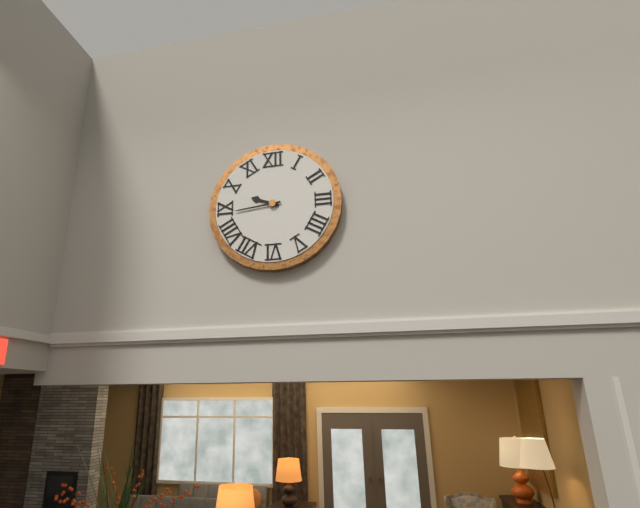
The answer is 9:44
